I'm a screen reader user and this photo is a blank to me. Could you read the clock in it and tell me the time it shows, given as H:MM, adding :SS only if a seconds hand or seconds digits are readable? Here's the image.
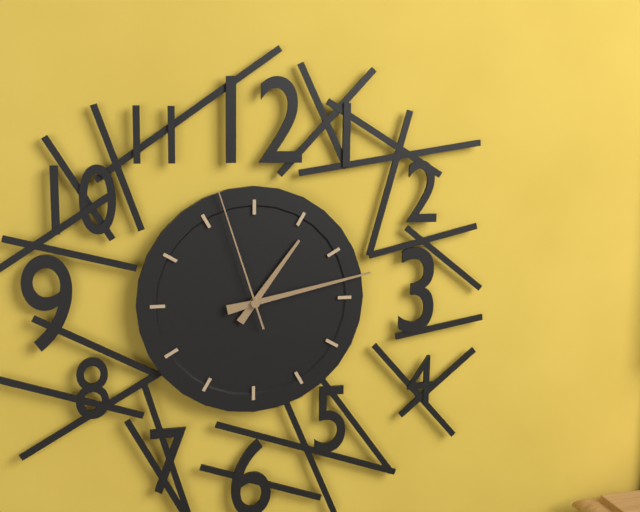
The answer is 1:13:57
